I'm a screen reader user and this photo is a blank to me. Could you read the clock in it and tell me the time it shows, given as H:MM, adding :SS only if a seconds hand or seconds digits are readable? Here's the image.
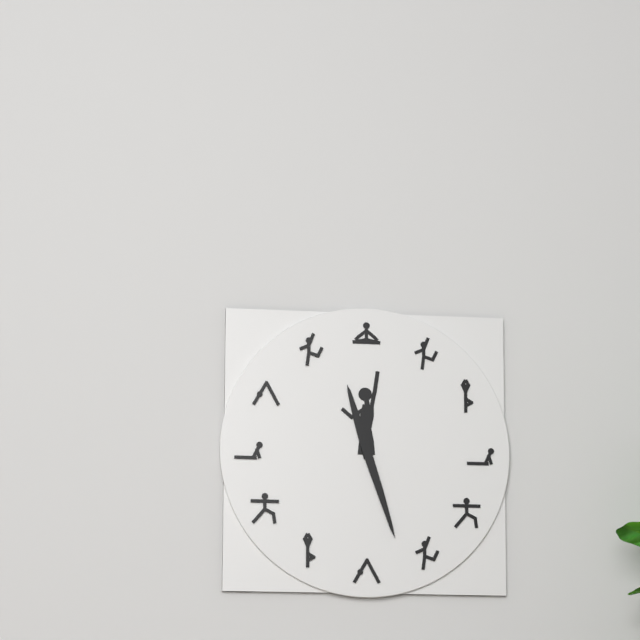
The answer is 11:27
